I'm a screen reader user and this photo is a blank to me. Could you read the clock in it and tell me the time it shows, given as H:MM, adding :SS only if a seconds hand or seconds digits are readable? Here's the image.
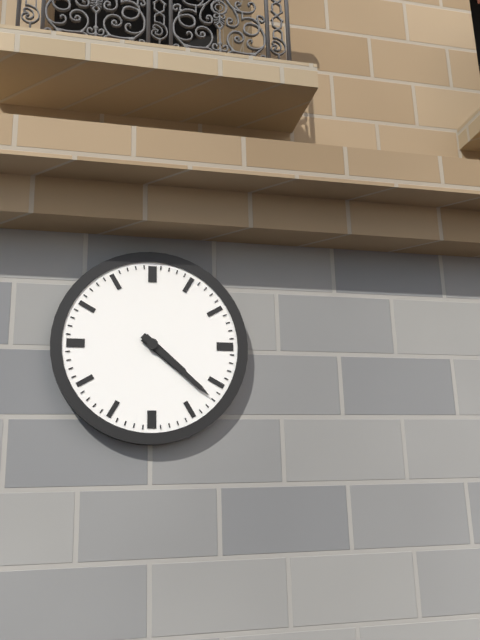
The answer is 4:22
